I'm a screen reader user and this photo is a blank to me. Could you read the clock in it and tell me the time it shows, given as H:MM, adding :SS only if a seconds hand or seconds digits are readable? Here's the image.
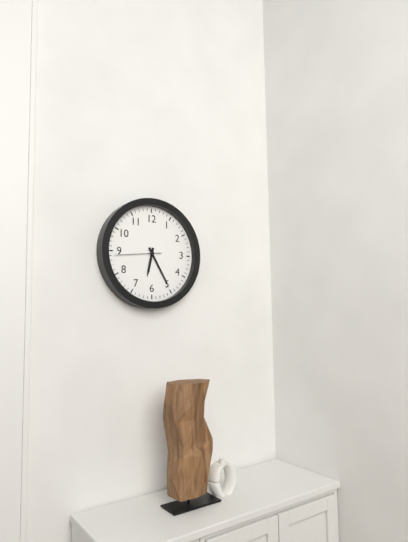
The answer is 6:25
